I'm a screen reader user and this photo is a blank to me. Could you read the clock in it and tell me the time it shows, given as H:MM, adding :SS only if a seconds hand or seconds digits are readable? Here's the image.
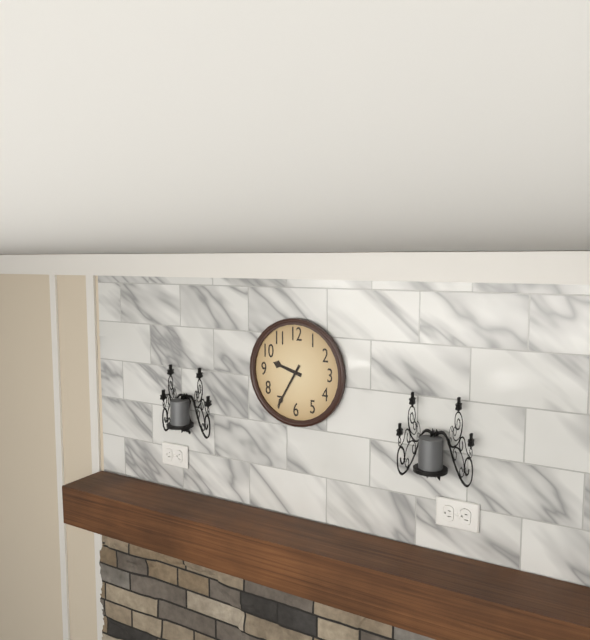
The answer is 9:35
